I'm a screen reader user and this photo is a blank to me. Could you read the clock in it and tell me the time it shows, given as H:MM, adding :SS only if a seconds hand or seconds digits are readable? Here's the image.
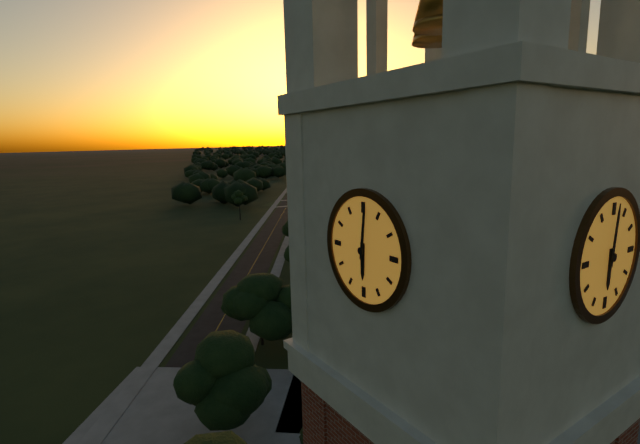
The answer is 6:01
